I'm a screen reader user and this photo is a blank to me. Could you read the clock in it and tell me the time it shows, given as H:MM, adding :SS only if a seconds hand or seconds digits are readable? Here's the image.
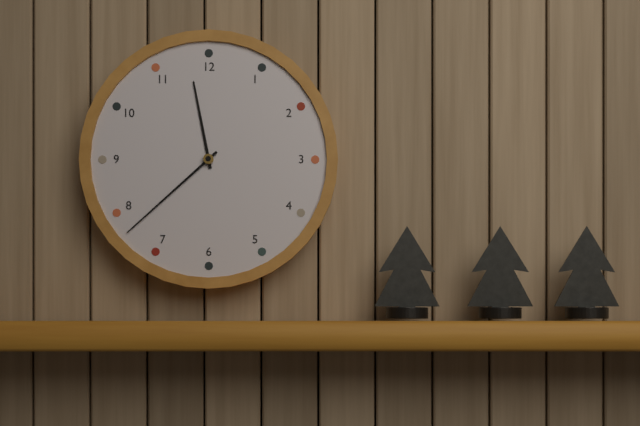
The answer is 11:38
